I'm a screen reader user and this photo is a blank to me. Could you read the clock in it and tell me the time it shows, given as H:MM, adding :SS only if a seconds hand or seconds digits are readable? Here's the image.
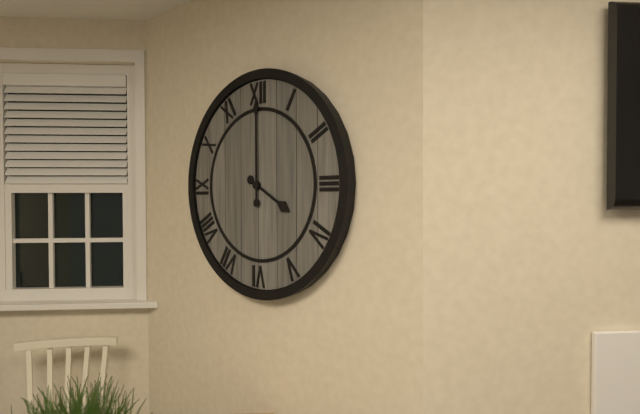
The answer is 4:00
